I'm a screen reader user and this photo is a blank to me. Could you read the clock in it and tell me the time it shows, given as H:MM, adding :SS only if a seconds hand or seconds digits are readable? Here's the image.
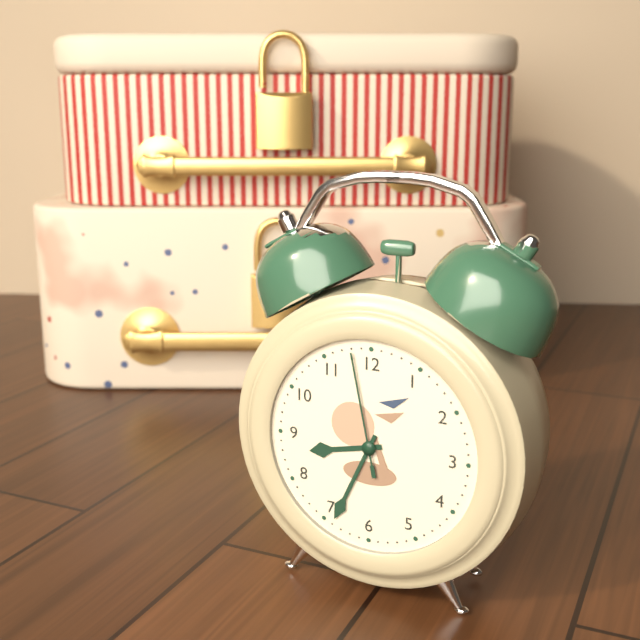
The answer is 8:34:58
